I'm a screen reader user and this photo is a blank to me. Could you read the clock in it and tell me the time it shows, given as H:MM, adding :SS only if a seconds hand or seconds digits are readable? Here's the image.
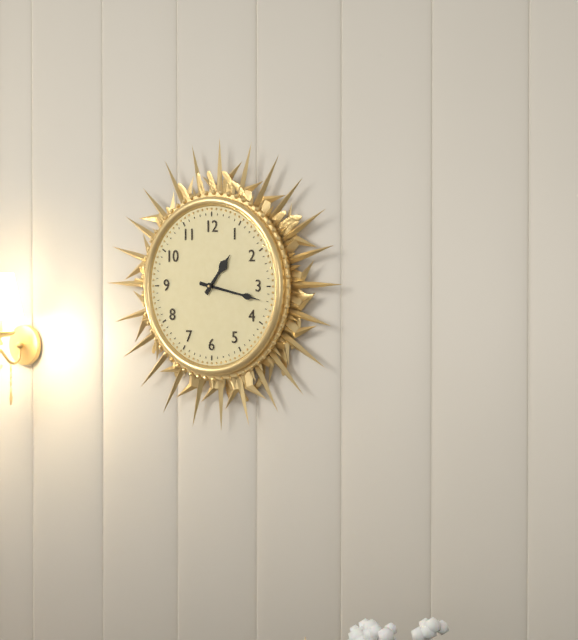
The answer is 1:17
